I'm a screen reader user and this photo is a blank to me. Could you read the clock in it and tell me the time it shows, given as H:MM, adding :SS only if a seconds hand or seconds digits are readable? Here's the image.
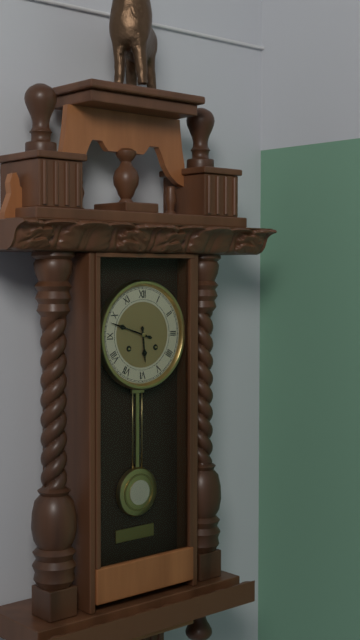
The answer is 5:48
